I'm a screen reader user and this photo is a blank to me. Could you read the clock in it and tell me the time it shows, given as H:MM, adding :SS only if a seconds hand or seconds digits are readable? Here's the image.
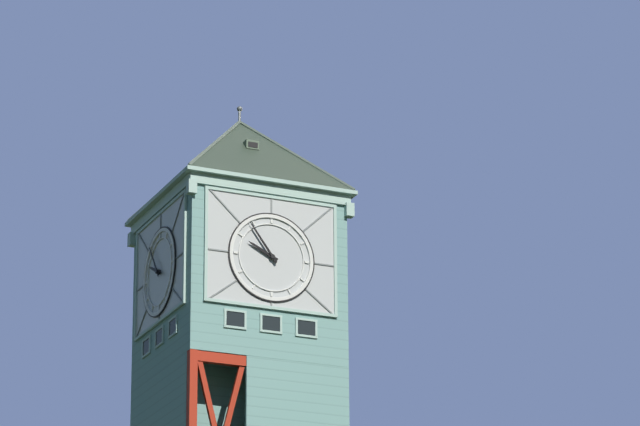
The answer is 9:54
